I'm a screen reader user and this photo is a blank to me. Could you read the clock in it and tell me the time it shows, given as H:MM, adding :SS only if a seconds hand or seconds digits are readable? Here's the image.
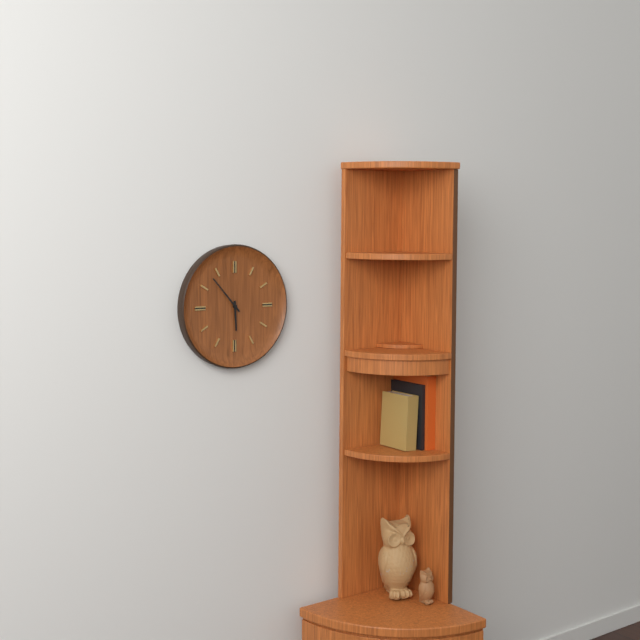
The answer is 5:53
